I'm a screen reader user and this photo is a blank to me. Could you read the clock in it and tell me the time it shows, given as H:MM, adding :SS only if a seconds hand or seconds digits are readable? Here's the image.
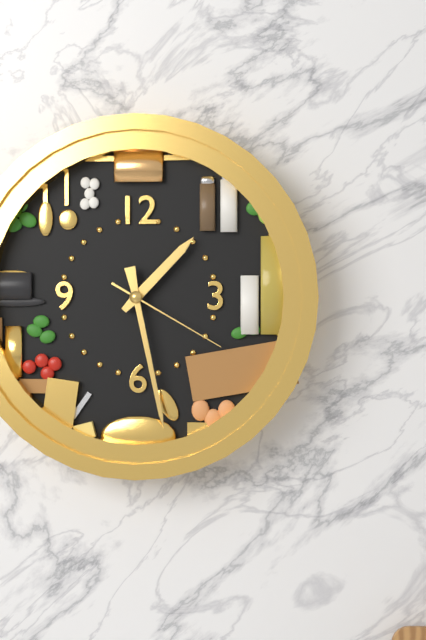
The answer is 1:28:20
